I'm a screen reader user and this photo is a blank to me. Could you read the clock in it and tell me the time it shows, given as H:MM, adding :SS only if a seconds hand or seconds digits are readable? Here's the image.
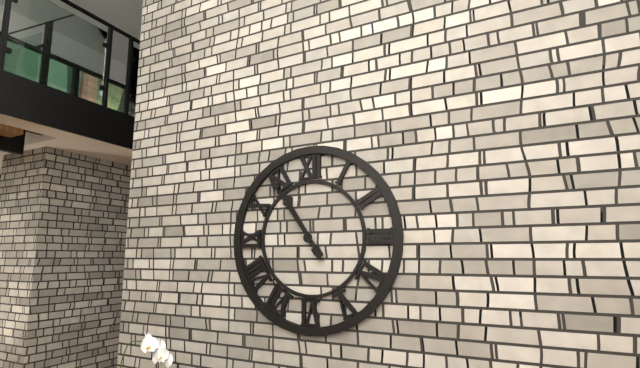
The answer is 10:54
